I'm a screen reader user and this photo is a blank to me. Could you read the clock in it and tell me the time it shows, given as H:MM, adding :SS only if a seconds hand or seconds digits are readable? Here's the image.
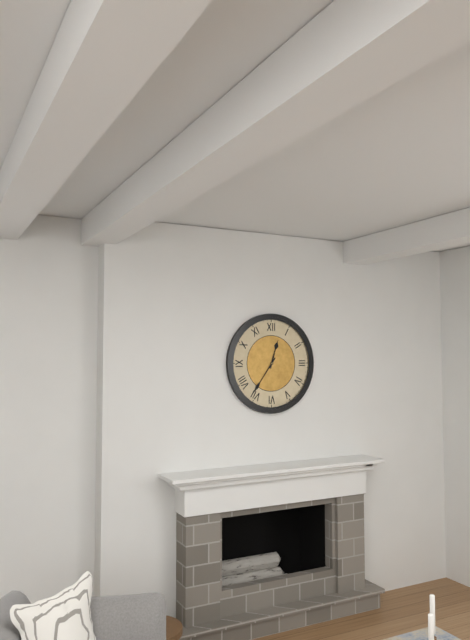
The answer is 12:36
